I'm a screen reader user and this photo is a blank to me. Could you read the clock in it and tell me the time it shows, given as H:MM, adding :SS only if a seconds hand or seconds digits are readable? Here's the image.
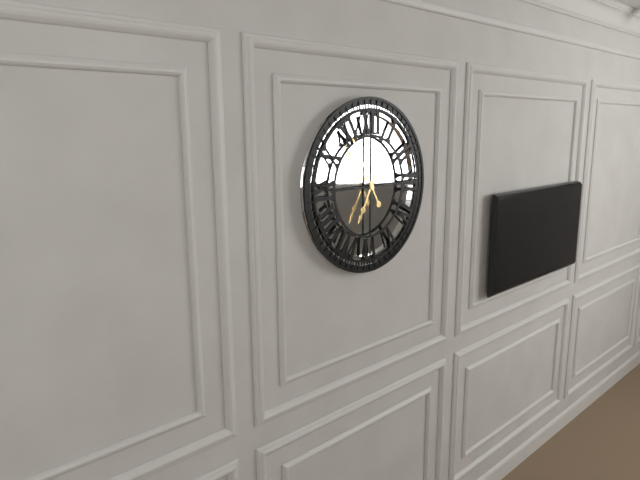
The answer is 6:55
